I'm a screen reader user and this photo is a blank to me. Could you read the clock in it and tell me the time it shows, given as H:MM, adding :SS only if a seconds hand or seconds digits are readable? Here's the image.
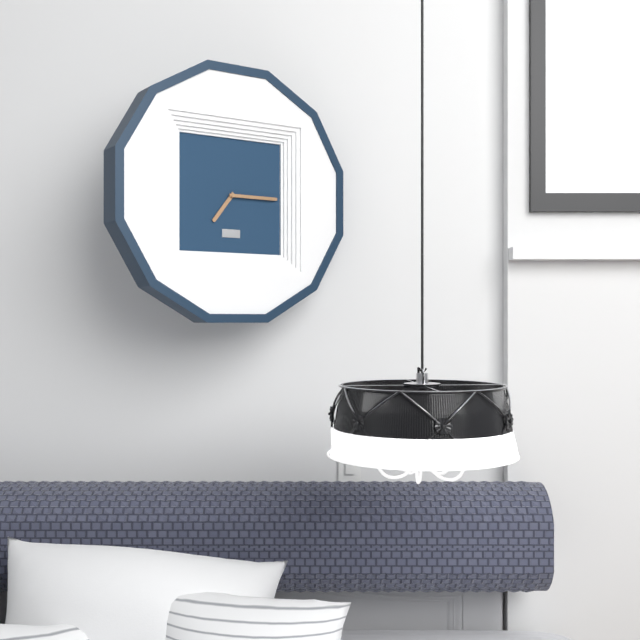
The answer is 7:15
